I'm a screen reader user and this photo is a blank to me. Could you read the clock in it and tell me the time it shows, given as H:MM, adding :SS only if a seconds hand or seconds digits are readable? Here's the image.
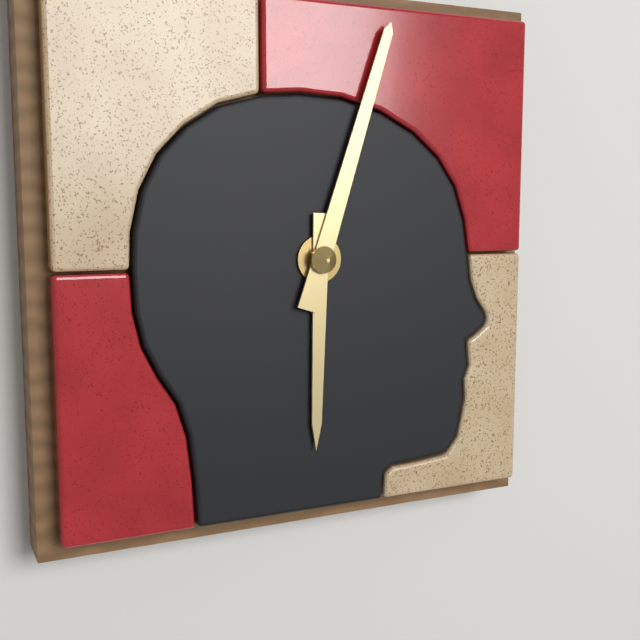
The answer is 6:03
